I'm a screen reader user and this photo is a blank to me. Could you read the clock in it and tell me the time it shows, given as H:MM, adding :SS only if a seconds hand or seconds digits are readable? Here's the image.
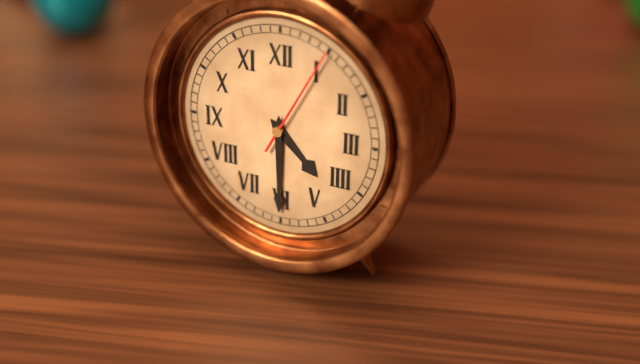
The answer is 4:30:05
